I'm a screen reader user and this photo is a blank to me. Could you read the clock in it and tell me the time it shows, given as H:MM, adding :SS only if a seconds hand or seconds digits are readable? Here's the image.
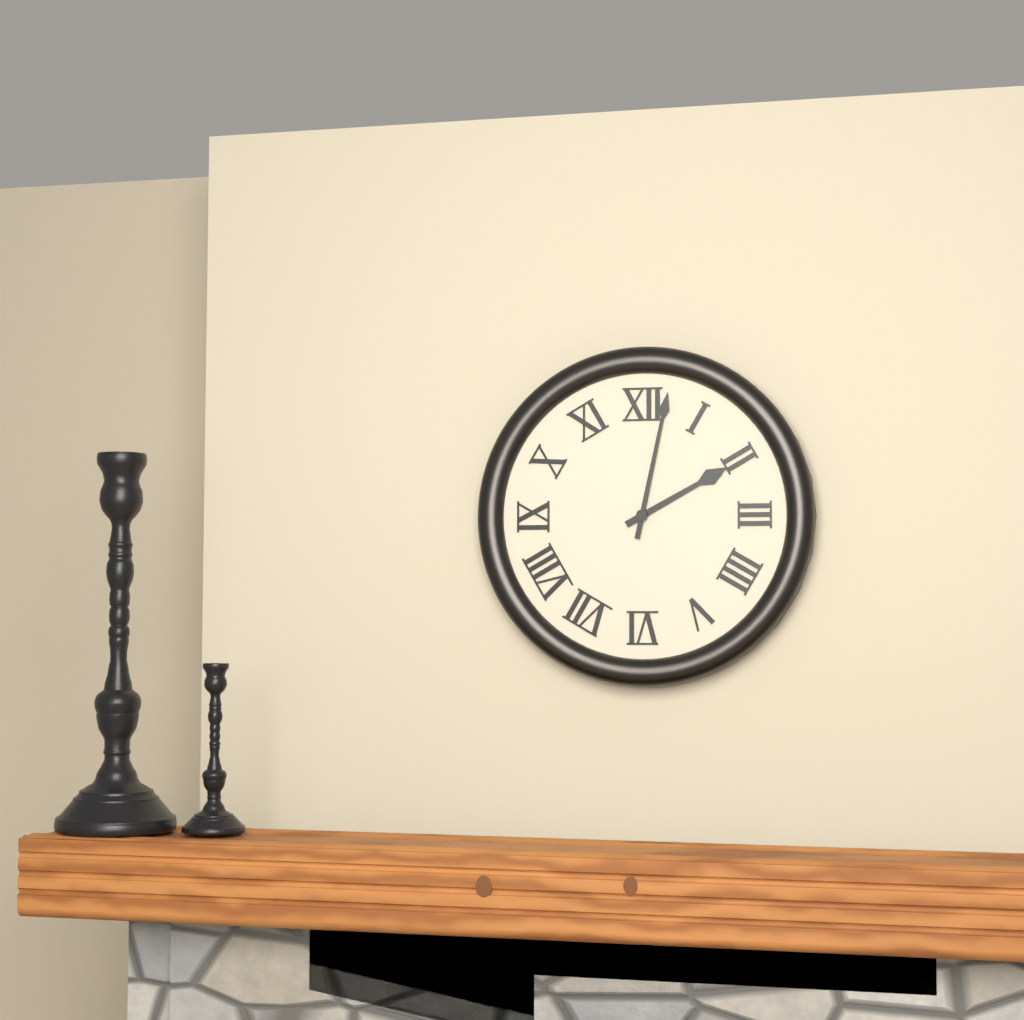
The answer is 2:02
